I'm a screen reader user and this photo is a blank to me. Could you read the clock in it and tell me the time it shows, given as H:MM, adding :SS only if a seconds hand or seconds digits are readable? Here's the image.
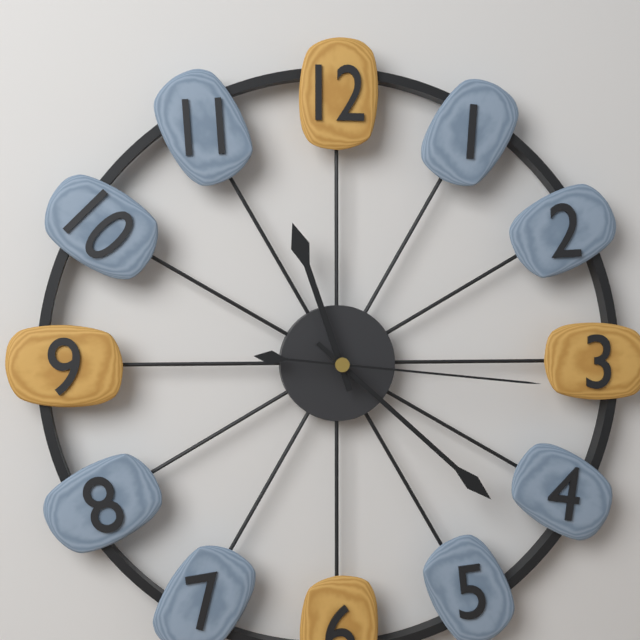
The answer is 11:22:16
